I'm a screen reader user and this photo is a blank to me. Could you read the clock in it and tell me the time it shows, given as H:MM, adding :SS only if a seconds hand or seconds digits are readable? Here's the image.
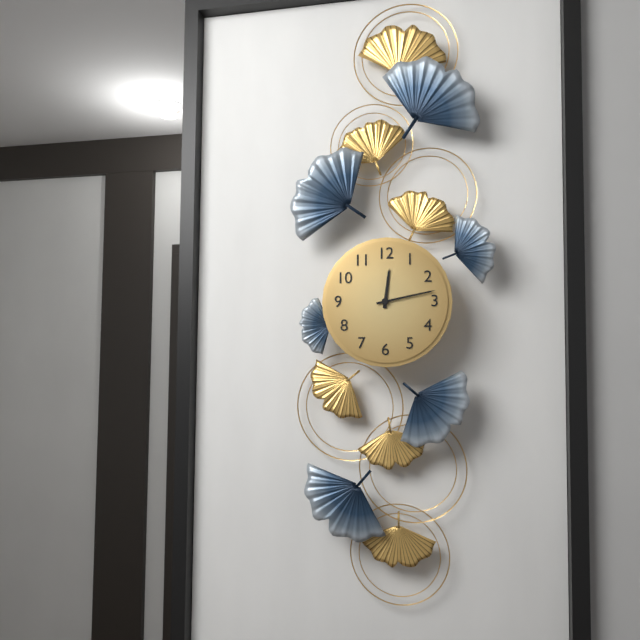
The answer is 12:13
